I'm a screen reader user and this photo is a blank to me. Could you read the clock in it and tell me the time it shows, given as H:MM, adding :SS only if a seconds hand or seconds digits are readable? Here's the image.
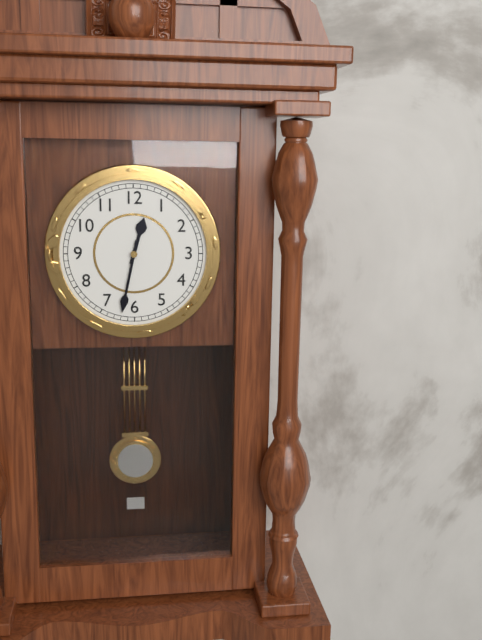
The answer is 12:32
